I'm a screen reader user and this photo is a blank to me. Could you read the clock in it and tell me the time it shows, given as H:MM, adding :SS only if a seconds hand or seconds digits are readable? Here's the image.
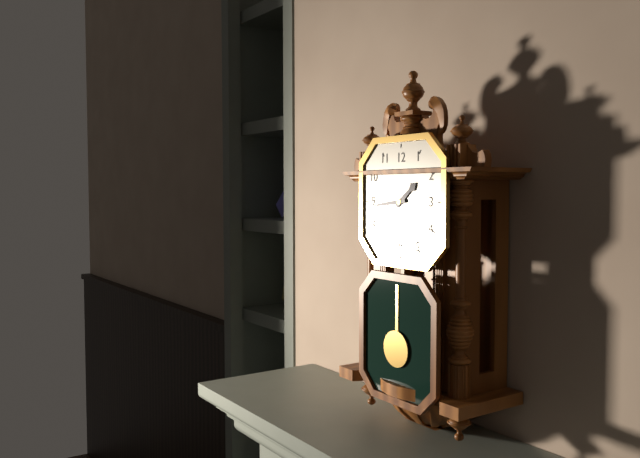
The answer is 1:44
